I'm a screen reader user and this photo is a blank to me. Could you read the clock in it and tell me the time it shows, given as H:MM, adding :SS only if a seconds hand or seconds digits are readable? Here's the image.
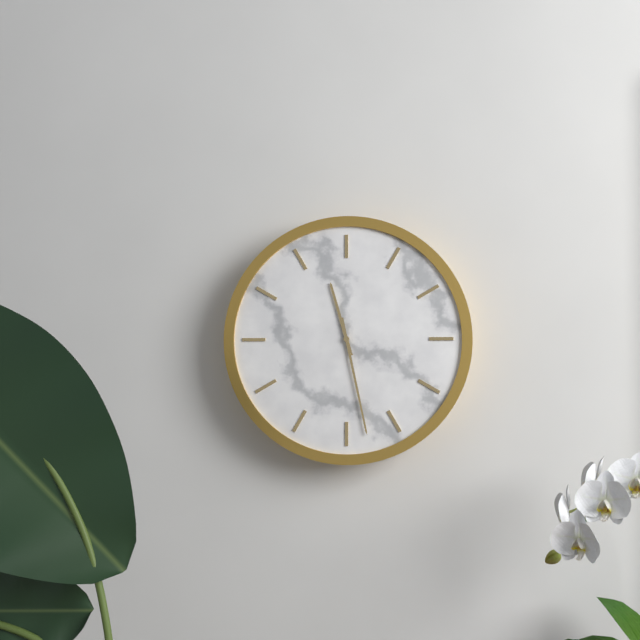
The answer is 11:28
